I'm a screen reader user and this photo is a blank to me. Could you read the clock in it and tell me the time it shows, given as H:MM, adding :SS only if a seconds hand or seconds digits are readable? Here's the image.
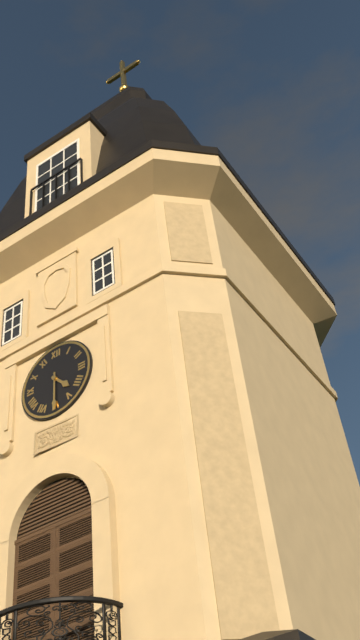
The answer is 4:30
